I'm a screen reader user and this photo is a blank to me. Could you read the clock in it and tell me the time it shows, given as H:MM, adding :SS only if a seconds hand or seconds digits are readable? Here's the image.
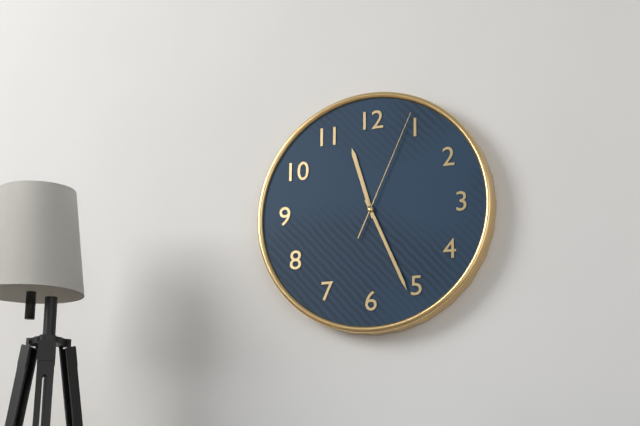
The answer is 11:26:04
